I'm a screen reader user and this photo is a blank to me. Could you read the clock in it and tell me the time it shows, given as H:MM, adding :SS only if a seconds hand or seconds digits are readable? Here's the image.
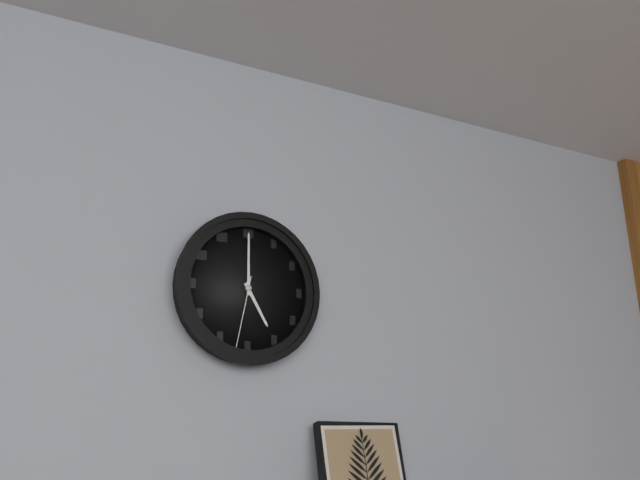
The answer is 5:00:32
